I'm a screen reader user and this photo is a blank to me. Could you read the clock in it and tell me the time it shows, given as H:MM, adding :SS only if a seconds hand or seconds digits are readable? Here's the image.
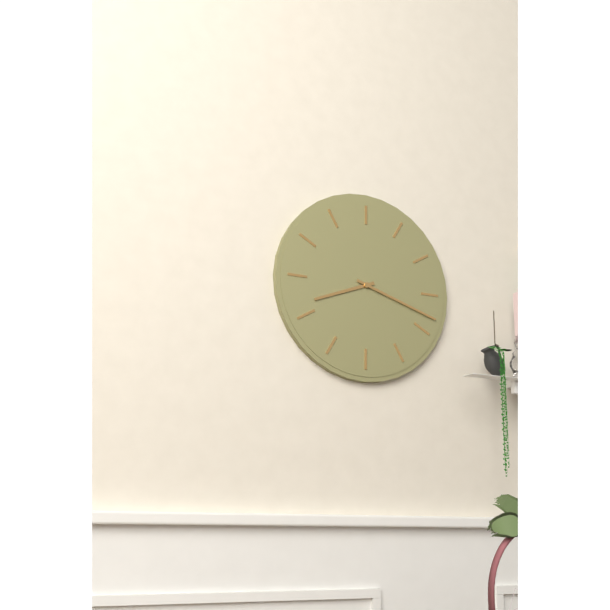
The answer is 8:18
